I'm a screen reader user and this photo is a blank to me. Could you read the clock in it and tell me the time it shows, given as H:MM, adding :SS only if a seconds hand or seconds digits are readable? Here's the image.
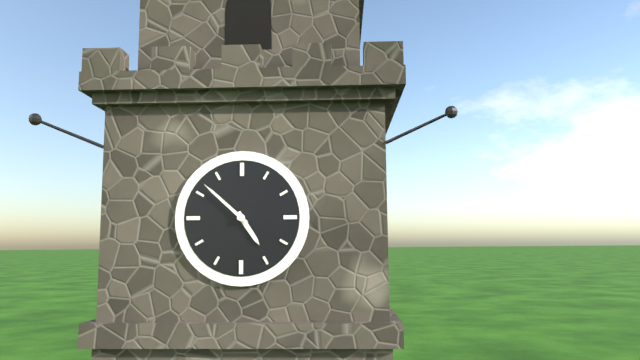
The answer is 4:52
